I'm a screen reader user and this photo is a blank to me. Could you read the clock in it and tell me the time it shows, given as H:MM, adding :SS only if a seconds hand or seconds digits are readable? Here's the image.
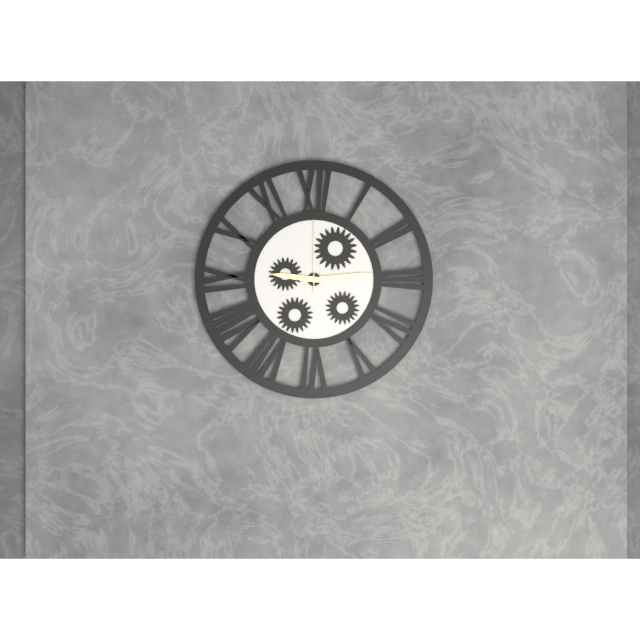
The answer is 9:14:00
